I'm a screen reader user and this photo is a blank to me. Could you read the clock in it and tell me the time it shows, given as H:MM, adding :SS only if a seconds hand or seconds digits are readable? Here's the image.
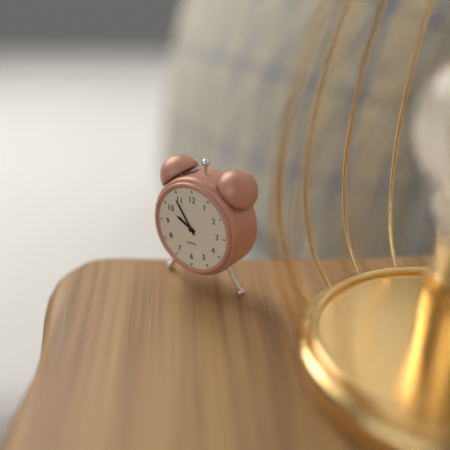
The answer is 9:54
